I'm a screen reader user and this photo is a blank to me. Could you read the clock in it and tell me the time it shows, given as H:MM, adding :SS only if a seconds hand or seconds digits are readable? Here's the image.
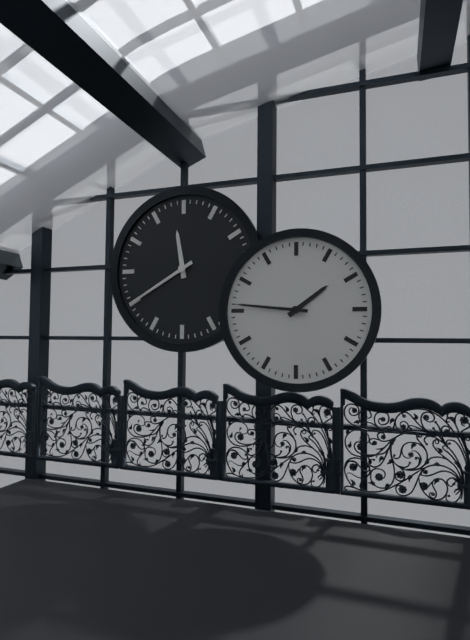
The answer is 1:46
